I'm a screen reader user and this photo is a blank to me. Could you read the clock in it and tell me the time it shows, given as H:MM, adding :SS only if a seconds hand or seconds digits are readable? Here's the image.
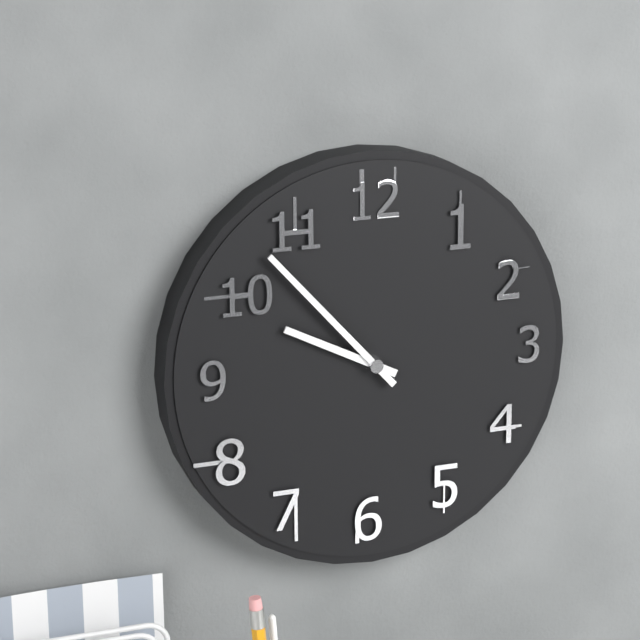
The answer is 9:53
